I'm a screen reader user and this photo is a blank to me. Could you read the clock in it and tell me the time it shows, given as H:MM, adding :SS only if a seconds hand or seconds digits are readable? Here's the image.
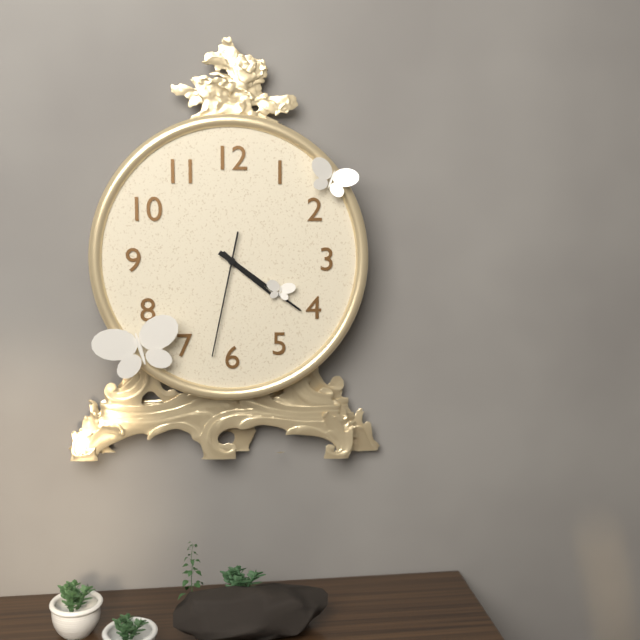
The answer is 4:21:32
